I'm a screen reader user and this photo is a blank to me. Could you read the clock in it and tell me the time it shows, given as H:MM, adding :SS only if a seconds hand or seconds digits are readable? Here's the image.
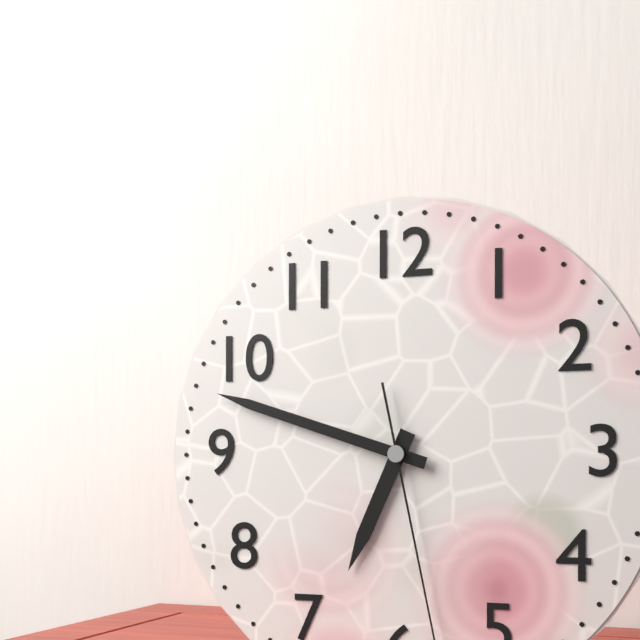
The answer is 6:48
